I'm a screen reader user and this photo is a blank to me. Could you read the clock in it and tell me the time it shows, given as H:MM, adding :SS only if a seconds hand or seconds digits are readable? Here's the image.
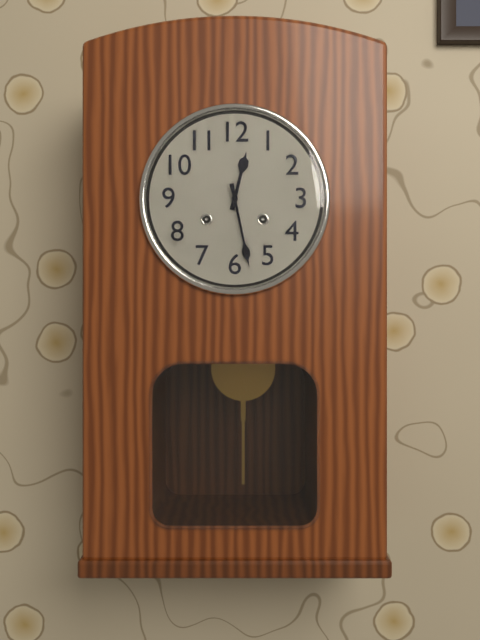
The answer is 12:28
